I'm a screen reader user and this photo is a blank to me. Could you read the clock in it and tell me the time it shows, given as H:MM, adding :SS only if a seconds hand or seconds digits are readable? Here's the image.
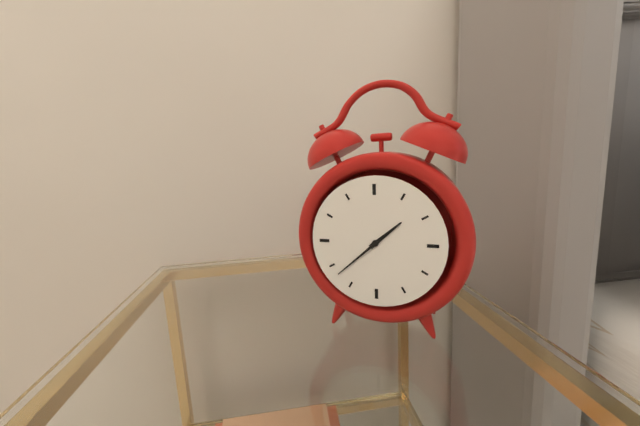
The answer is 1:38
